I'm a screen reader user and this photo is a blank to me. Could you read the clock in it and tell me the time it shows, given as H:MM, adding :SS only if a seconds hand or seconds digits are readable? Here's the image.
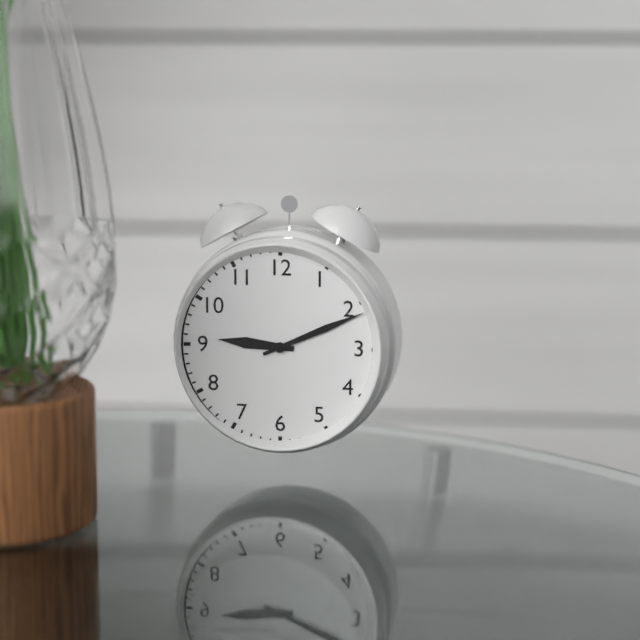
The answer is 9:11
